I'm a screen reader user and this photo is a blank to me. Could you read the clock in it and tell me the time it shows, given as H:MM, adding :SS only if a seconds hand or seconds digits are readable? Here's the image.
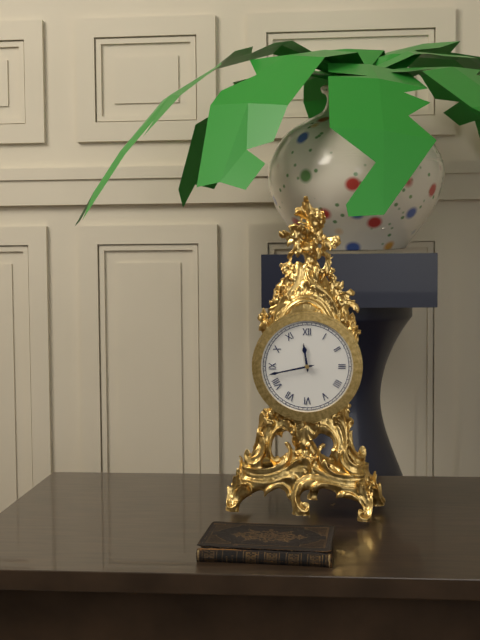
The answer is 11:43
